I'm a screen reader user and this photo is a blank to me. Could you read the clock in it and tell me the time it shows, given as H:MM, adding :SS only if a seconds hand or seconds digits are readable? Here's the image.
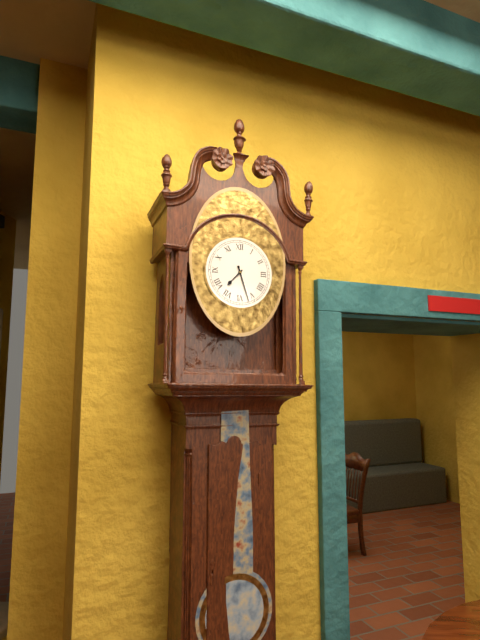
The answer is 7:27
